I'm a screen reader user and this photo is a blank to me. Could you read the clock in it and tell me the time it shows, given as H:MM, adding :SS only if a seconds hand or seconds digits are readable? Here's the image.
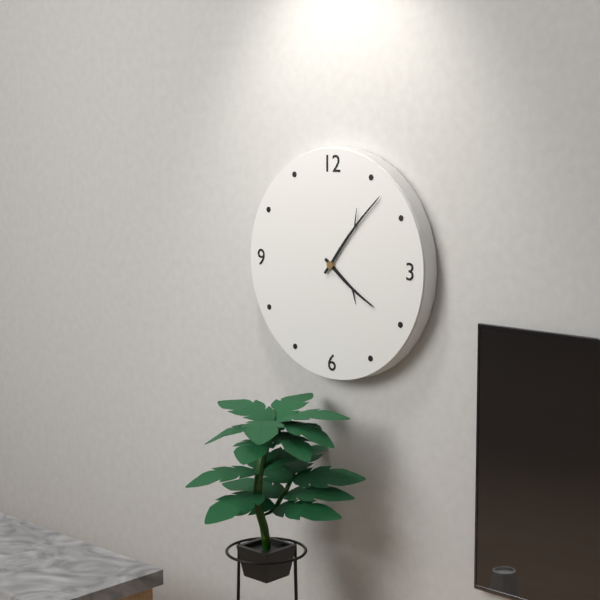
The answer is 4:07
